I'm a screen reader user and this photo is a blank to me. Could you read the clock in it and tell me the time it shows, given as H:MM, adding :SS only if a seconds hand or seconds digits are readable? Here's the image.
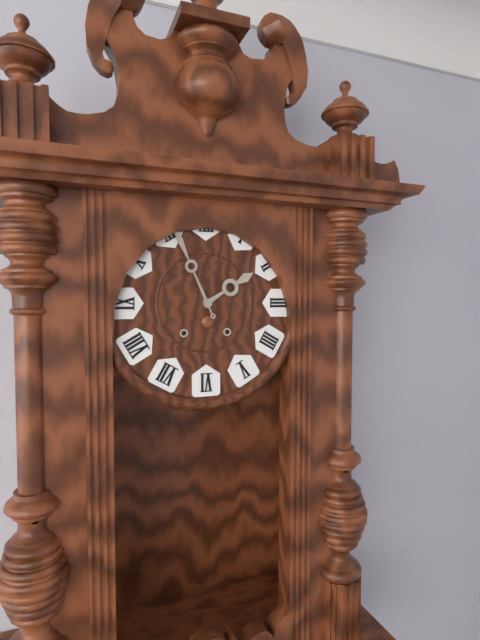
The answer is 1:56
